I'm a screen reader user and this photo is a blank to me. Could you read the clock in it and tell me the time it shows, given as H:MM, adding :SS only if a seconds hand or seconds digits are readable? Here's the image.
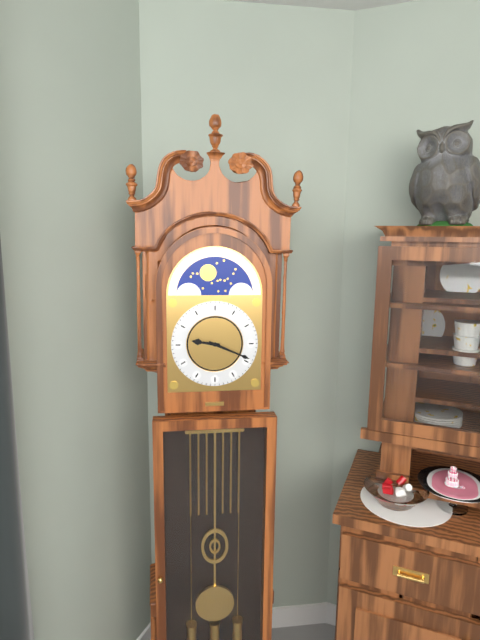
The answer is 9:19
